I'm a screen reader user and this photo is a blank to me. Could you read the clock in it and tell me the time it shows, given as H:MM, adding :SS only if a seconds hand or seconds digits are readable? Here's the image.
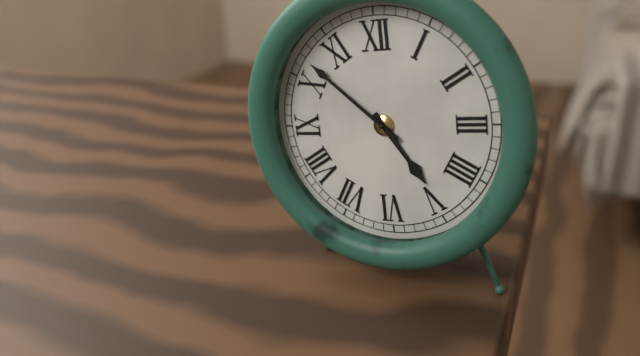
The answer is 4:52
